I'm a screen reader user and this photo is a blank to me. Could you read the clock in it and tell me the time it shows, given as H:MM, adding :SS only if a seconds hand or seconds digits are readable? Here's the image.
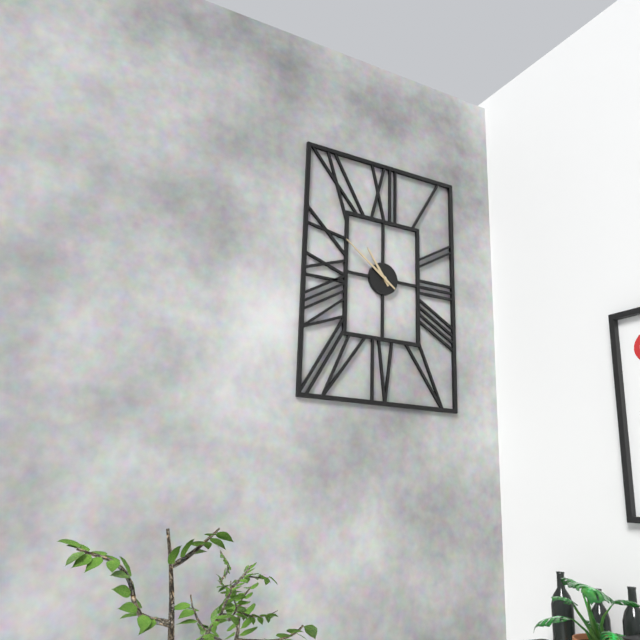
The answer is 10:51
